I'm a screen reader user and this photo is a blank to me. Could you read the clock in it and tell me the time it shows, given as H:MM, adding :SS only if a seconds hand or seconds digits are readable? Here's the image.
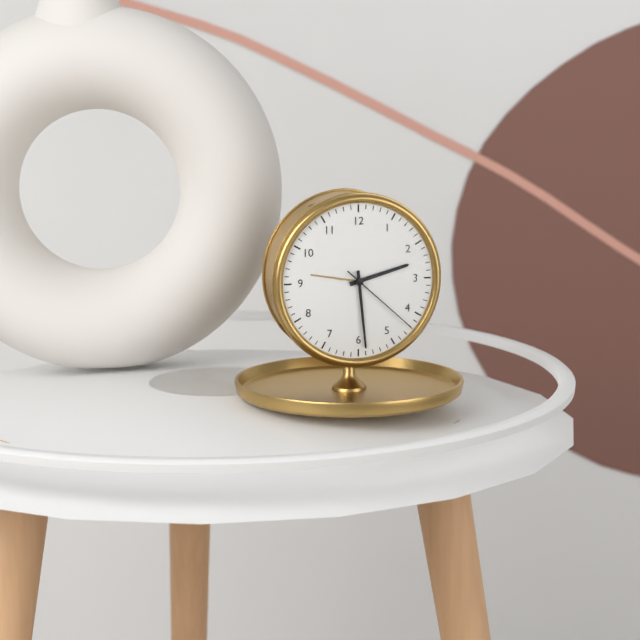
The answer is 2:29:22
